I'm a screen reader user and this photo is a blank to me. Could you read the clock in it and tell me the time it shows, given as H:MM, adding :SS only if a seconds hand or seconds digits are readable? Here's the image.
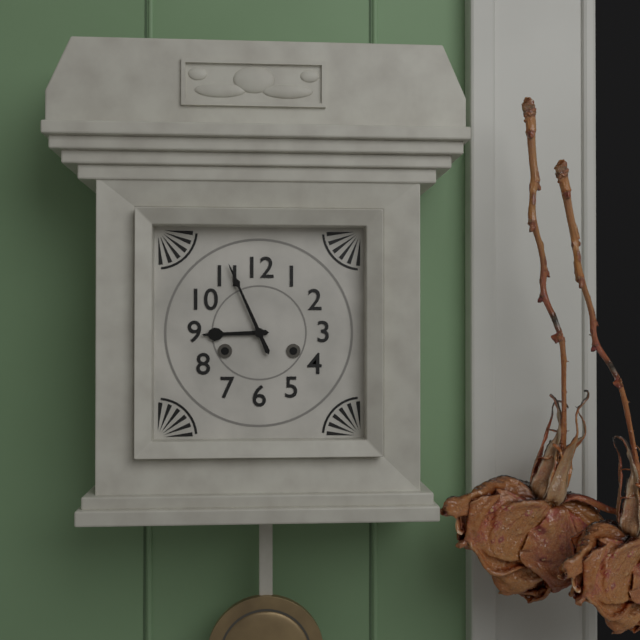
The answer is 8:56
